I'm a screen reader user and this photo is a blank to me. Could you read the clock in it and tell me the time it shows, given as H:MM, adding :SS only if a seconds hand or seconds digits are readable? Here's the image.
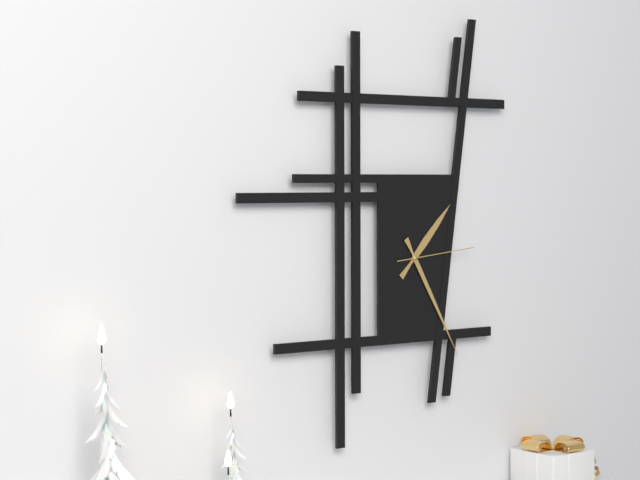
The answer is 1:25:14
